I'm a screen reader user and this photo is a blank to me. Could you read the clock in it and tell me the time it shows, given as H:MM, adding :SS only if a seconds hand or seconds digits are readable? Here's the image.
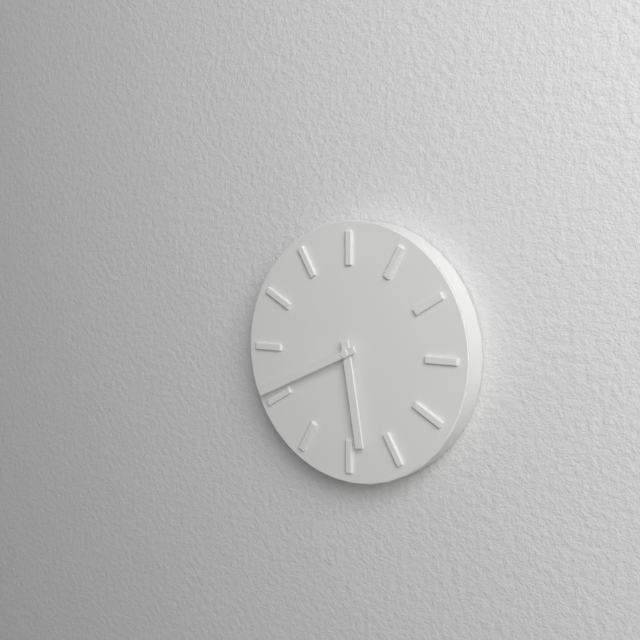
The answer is 5:41
